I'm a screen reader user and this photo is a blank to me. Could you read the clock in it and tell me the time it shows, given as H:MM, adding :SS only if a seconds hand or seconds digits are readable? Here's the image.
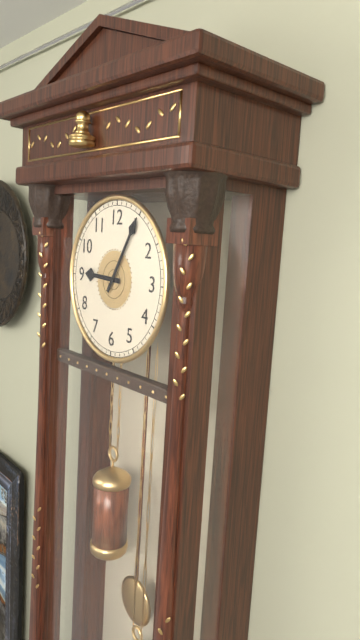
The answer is 9:05
